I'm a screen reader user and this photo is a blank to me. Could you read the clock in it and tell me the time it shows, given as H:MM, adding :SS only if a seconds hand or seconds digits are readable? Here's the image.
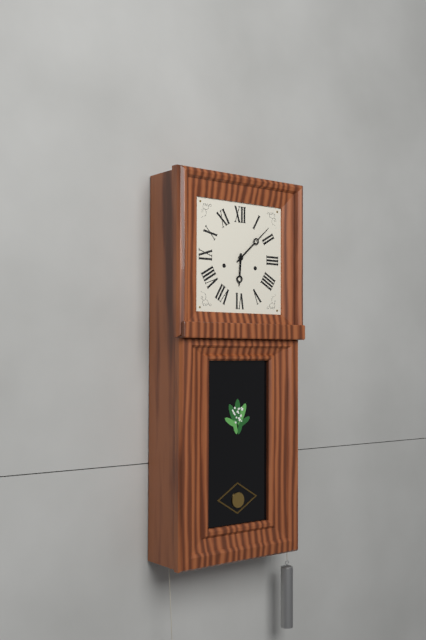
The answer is 6:08
